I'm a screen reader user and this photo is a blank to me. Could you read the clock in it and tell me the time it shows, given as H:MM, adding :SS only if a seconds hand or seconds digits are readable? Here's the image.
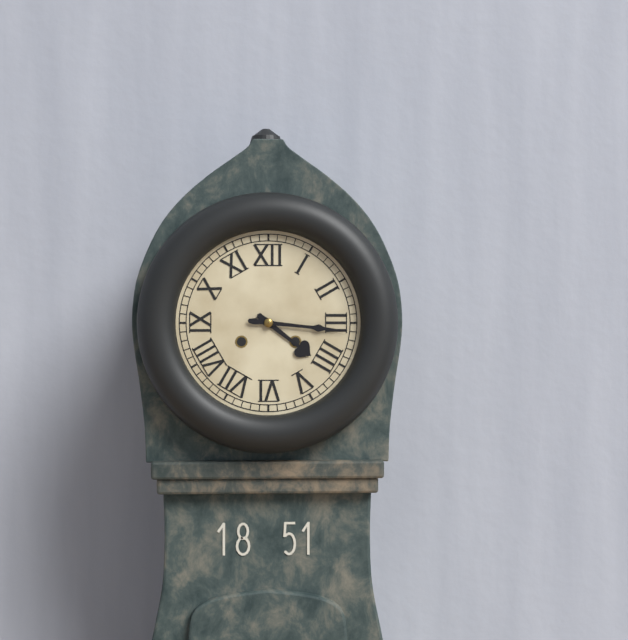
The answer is 4:16
